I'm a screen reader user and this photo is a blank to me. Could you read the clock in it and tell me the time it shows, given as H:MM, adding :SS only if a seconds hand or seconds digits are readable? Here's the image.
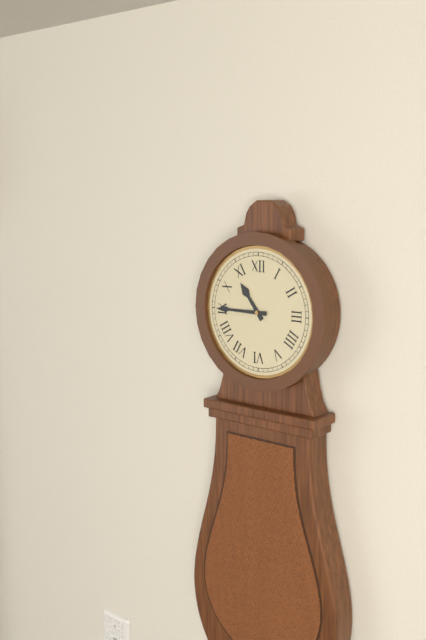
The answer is 10:45
